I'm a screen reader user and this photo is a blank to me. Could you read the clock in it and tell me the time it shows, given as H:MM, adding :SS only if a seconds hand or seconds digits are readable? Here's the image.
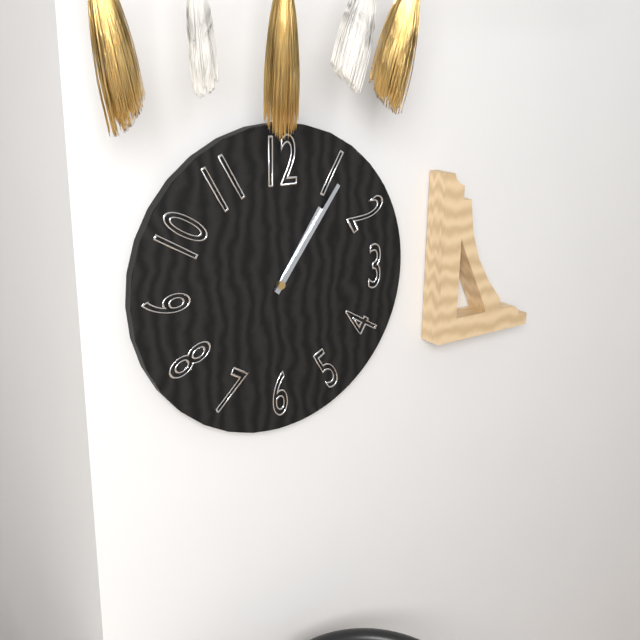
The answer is 1:06
